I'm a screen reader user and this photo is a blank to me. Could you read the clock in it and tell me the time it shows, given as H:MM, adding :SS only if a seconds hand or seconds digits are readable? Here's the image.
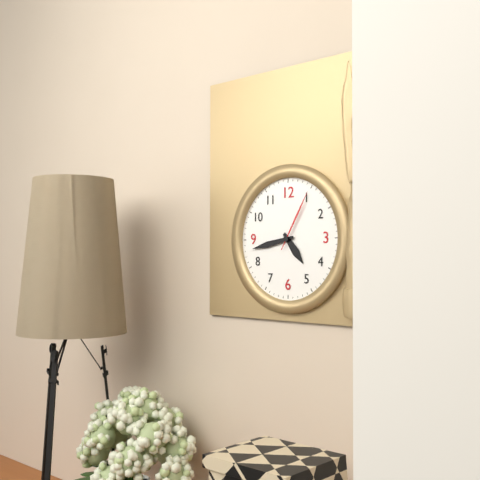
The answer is 4:43:05
